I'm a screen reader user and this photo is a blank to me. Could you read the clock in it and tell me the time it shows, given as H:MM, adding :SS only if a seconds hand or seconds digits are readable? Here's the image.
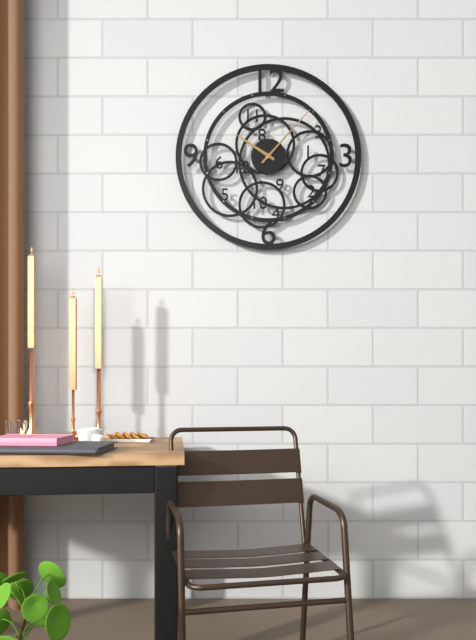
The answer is 10:07
